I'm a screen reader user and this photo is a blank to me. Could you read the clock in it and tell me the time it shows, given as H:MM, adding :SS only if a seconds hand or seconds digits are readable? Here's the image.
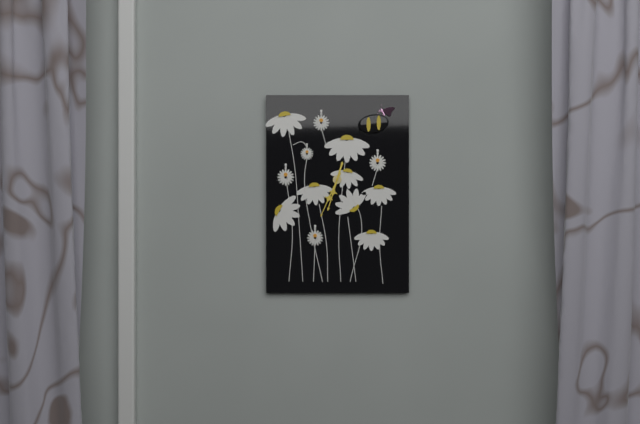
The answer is 6:34
